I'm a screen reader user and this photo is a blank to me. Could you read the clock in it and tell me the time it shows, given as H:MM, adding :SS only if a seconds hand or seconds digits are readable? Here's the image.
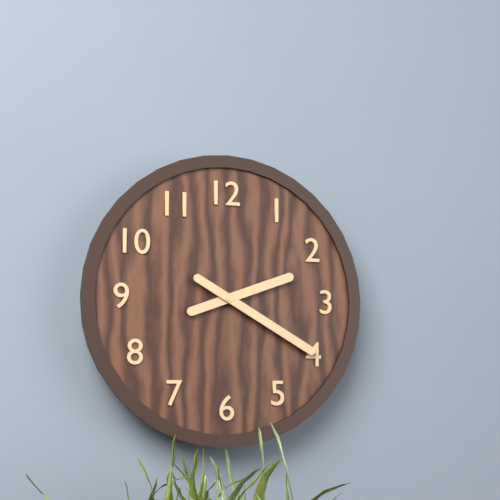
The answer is 2:20
